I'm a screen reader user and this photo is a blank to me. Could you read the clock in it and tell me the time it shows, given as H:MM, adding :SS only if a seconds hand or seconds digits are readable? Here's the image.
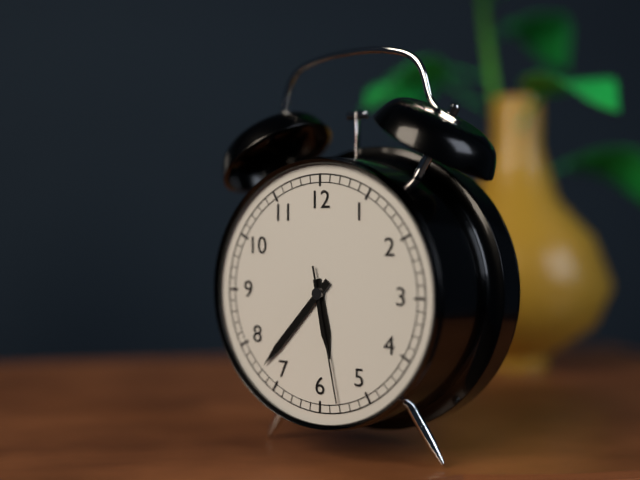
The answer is 5:37:28
